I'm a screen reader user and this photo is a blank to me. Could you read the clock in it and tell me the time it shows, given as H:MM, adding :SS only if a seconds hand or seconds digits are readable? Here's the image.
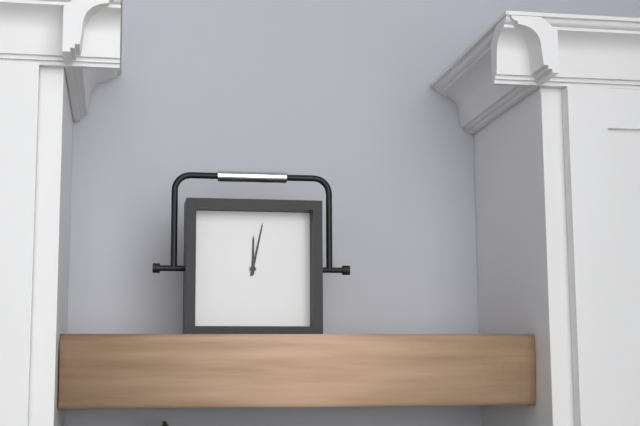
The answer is 12:02
